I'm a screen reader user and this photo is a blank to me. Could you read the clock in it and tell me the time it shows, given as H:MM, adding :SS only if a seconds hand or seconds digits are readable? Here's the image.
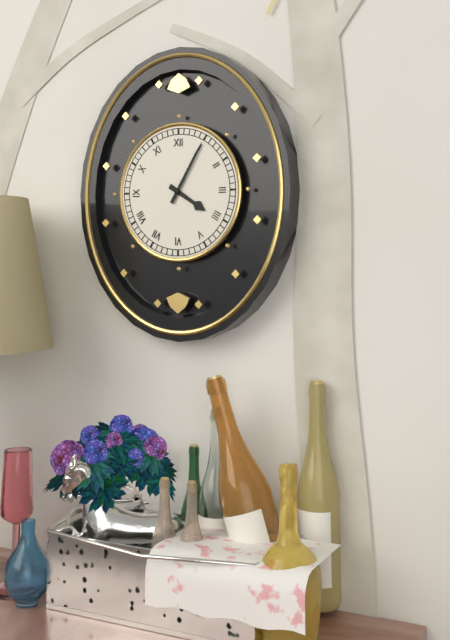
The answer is 4:05
